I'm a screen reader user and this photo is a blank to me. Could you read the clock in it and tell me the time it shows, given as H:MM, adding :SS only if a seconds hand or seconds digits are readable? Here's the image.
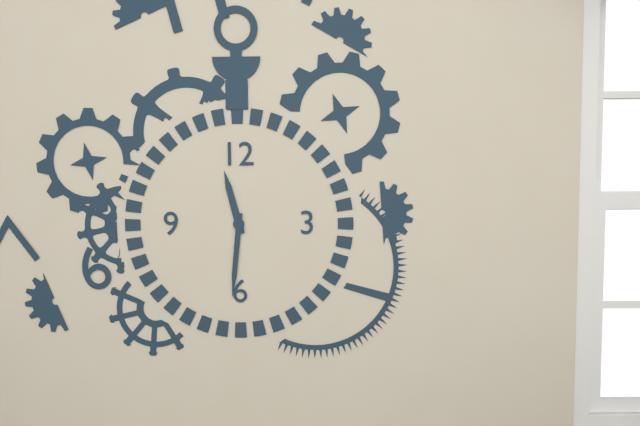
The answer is 11:31
